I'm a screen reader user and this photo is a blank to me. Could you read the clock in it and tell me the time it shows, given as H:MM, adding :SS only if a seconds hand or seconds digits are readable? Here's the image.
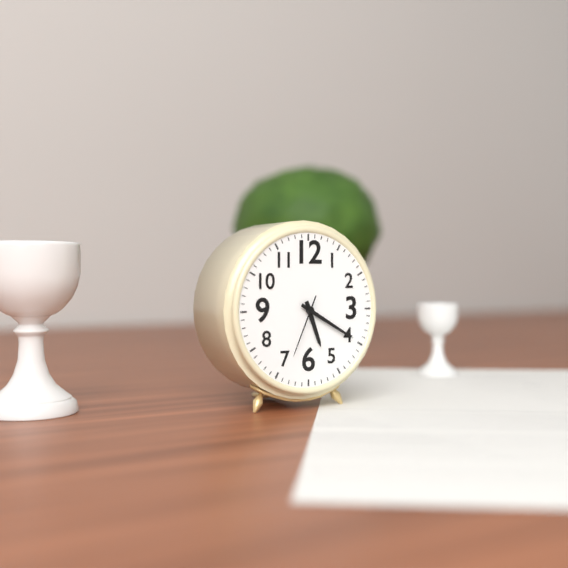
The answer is 5:20:34
